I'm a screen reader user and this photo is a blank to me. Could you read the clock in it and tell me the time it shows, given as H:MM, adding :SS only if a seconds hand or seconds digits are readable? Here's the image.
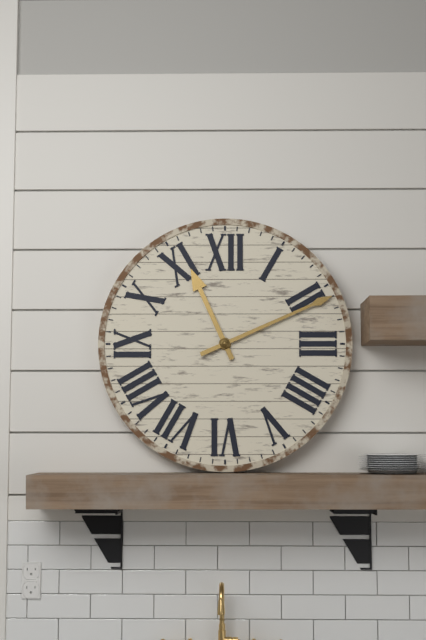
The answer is 11:11
